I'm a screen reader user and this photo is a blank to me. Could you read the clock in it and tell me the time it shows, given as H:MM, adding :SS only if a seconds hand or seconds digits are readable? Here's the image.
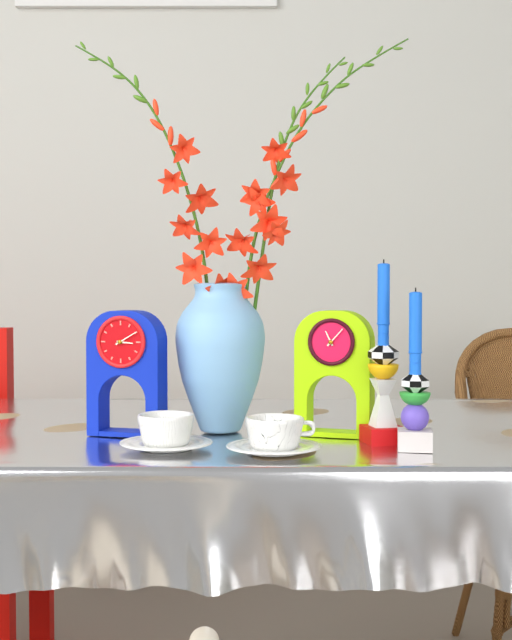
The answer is 3:10
